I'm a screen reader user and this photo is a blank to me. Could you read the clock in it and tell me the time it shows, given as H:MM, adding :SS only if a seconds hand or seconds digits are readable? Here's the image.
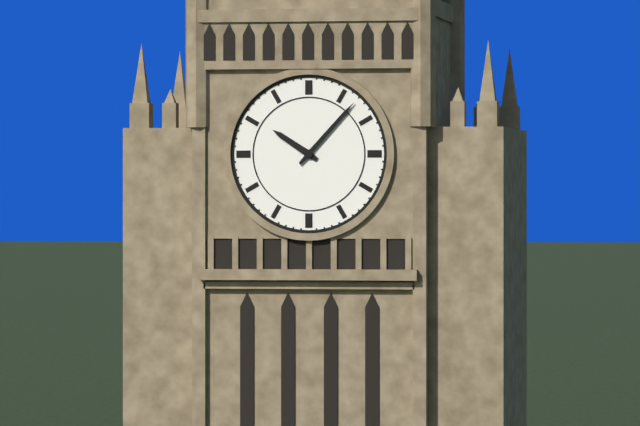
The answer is 10:07
